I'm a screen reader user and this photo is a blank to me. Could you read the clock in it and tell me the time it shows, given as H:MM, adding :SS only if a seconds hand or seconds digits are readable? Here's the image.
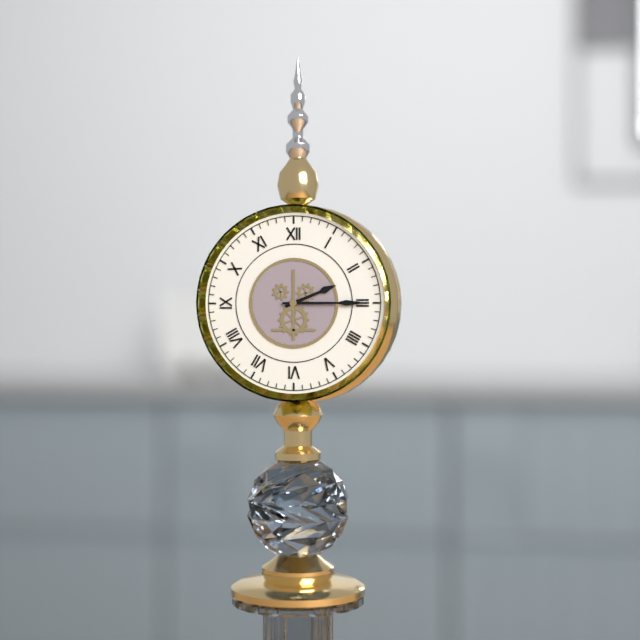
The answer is 2:15
